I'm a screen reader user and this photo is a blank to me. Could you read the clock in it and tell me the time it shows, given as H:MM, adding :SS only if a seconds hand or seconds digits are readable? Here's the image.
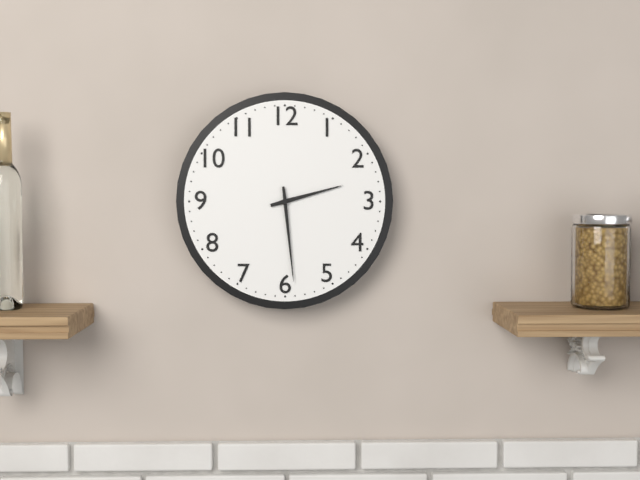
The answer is 2:29
